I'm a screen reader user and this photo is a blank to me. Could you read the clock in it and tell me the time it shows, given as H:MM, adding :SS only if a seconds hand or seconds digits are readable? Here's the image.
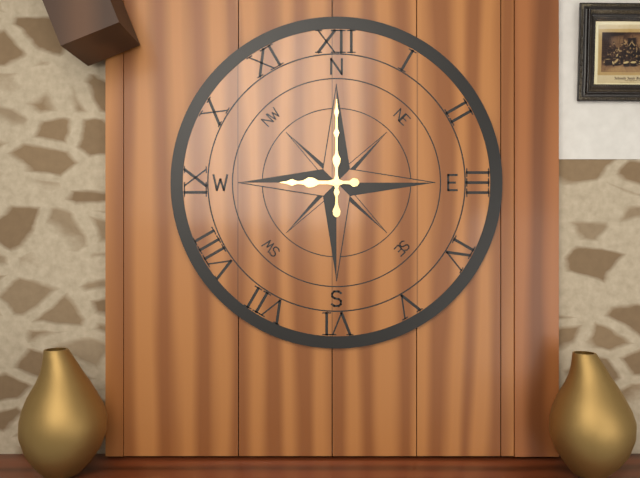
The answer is 9:00
